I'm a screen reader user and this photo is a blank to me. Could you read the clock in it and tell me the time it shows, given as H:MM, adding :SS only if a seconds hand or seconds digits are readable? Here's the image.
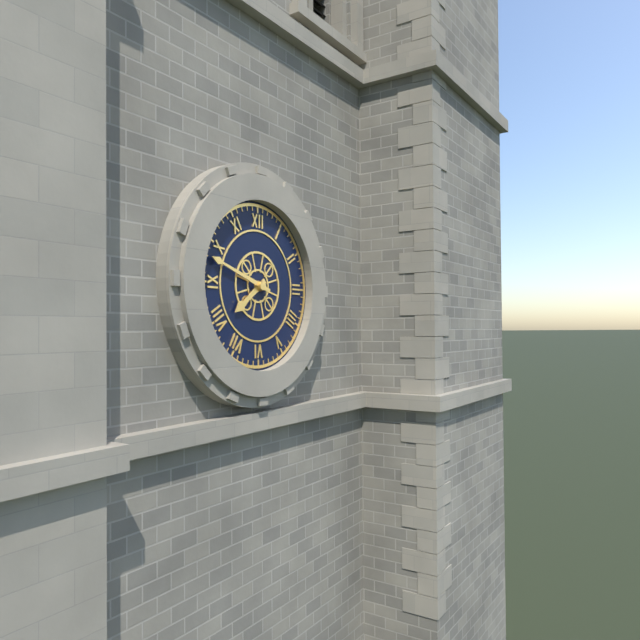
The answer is 7:48
